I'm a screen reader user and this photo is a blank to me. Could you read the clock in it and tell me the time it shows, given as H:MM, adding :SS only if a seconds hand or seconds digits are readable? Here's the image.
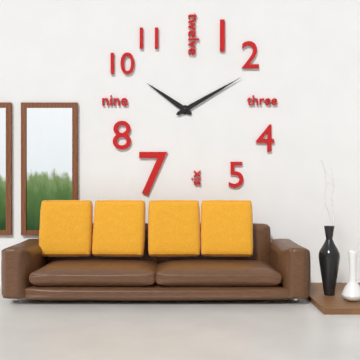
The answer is 10:10
